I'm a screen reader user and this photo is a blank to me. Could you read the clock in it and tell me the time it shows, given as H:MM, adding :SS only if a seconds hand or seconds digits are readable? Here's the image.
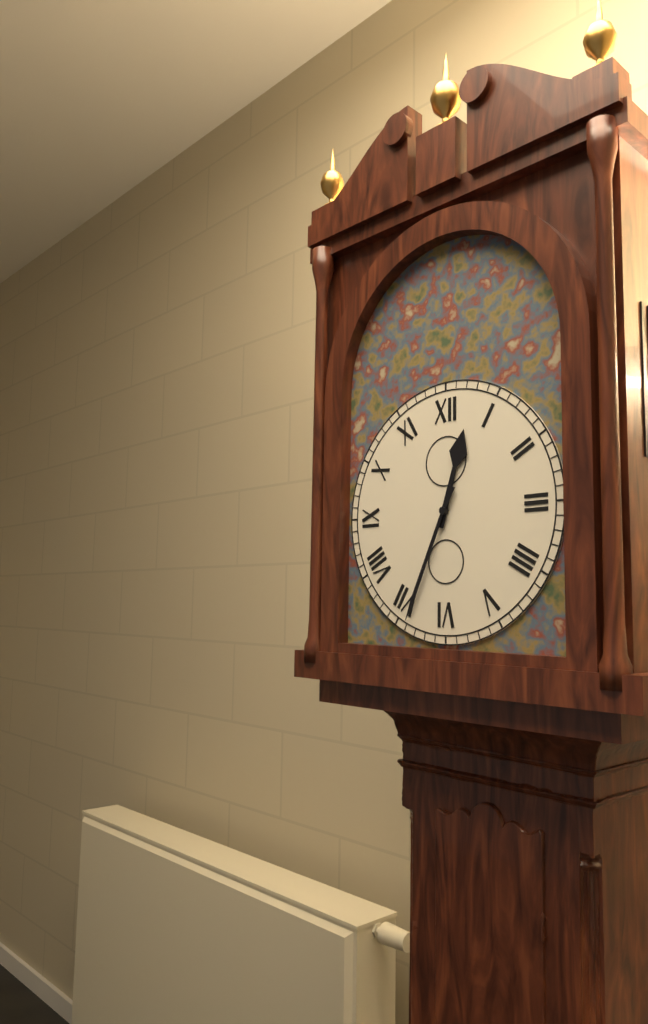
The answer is 12:34
